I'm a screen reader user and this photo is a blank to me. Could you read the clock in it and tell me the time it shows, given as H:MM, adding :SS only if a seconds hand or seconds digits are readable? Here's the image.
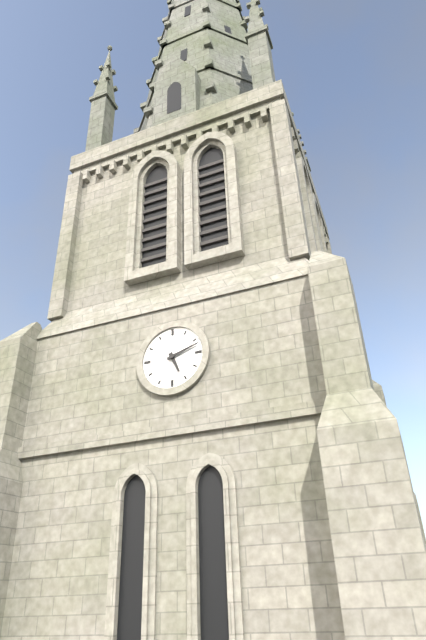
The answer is 5:12
